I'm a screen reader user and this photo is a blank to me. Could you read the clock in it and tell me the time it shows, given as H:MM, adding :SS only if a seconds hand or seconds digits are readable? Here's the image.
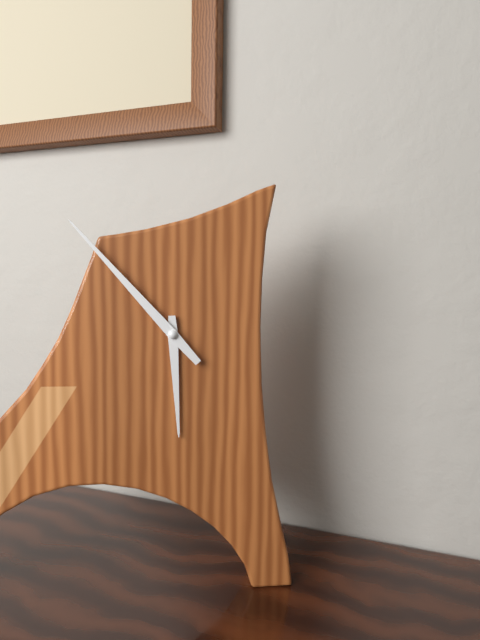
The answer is 5:53
